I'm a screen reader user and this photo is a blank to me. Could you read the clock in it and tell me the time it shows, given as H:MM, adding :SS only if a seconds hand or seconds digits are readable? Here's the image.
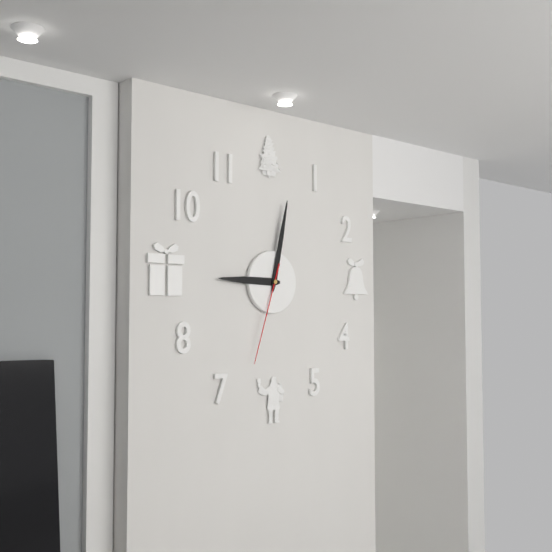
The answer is 9:02:33
